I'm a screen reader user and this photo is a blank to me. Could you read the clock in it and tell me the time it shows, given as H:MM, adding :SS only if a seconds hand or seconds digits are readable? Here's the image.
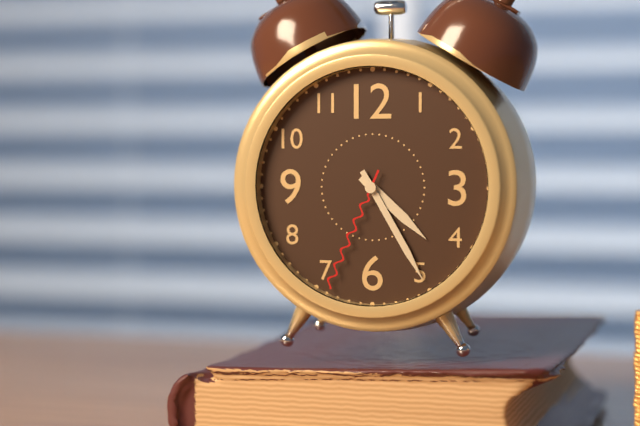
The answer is 4:25:34
